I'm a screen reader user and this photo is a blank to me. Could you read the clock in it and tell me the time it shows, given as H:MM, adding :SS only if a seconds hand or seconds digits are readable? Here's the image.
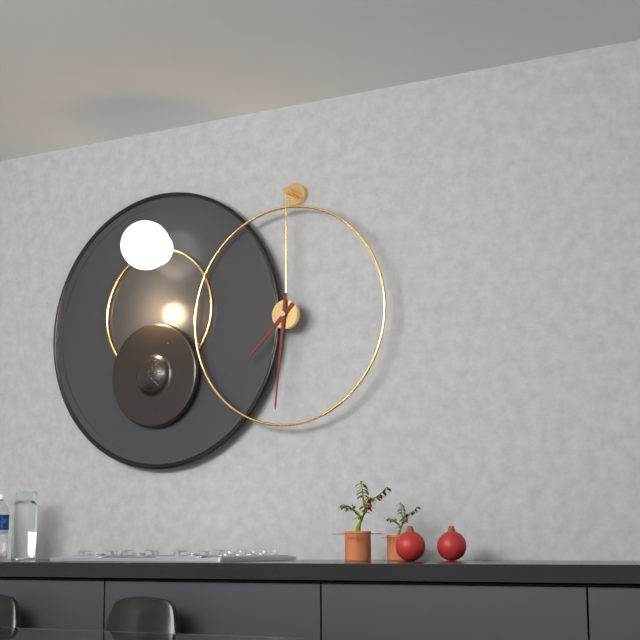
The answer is 7:31
